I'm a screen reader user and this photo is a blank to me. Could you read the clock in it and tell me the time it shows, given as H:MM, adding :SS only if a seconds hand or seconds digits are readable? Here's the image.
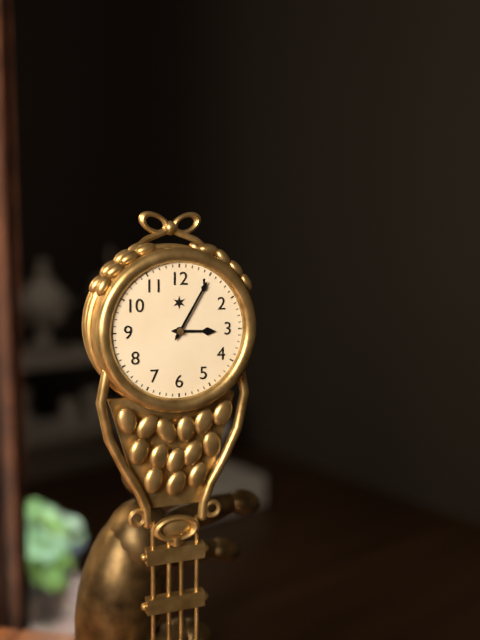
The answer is 3:05
